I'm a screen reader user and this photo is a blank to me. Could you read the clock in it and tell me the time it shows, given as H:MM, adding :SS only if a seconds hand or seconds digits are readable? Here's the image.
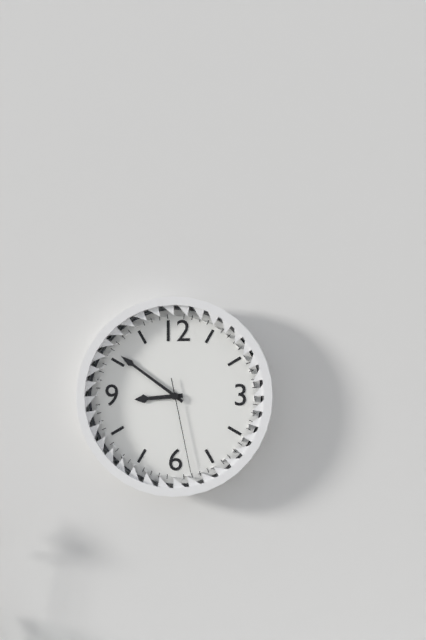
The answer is 8:51:28
